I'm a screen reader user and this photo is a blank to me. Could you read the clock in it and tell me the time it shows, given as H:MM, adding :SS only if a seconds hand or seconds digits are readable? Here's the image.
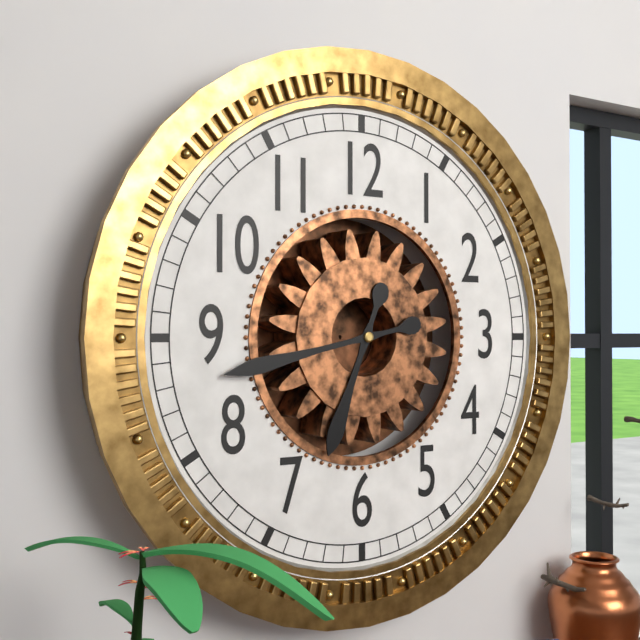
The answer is 6:43
